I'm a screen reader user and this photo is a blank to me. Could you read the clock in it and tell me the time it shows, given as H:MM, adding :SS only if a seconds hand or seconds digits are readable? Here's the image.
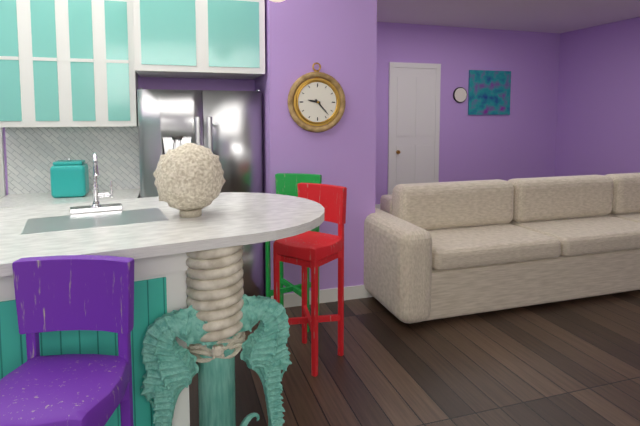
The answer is 9:23
